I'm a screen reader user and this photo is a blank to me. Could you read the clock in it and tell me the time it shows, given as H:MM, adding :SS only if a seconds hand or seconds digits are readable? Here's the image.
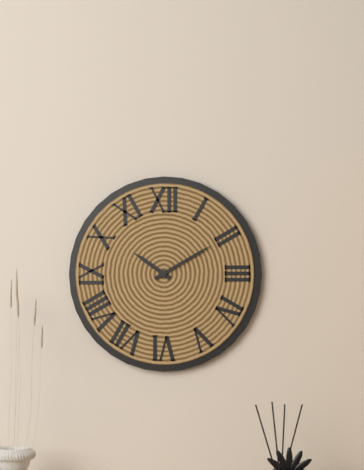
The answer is 10:10
